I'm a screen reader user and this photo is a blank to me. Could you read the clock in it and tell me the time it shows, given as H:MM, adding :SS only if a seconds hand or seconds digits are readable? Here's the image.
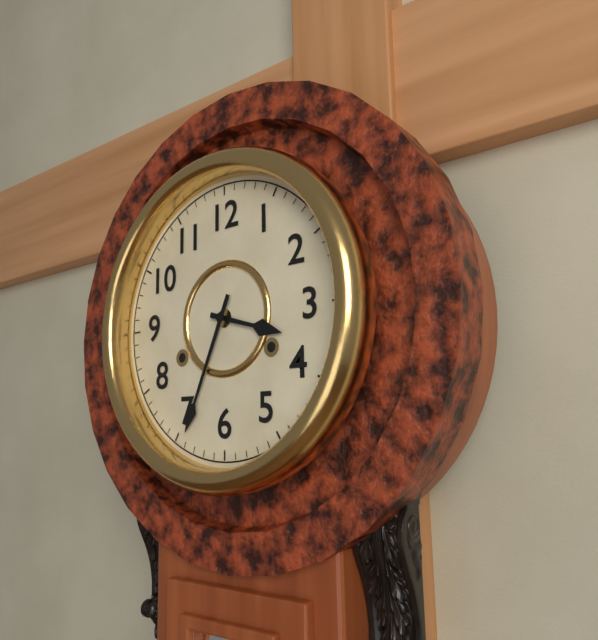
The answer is 3:34
